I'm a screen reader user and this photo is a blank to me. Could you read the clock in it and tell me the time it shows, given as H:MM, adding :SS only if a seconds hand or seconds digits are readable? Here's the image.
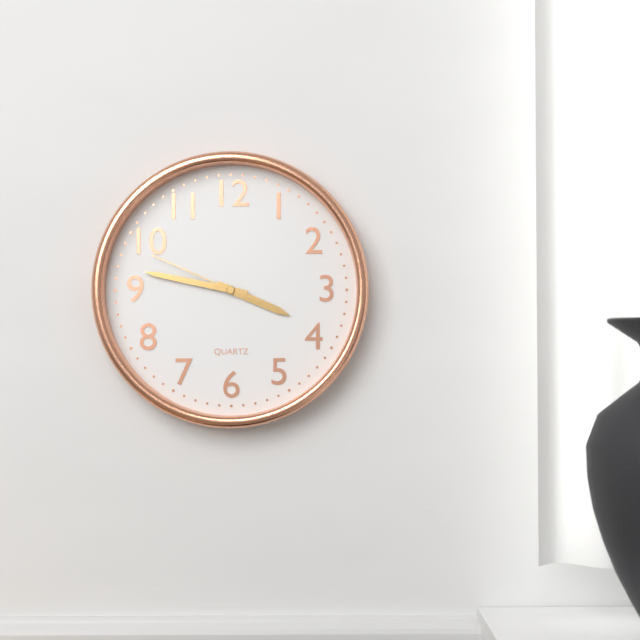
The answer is 3:47:49
